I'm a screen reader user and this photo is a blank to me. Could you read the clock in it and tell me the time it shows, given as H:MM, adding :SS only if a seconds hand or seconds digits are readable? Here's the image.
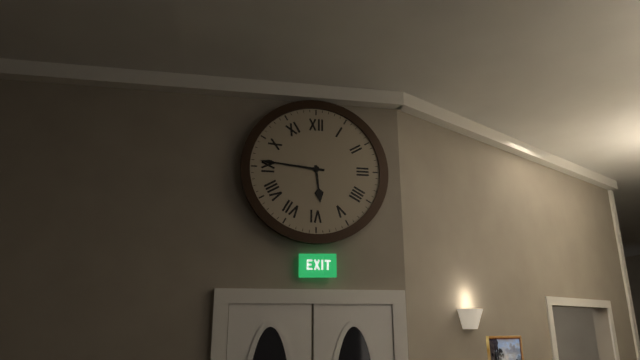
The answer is 5:46
